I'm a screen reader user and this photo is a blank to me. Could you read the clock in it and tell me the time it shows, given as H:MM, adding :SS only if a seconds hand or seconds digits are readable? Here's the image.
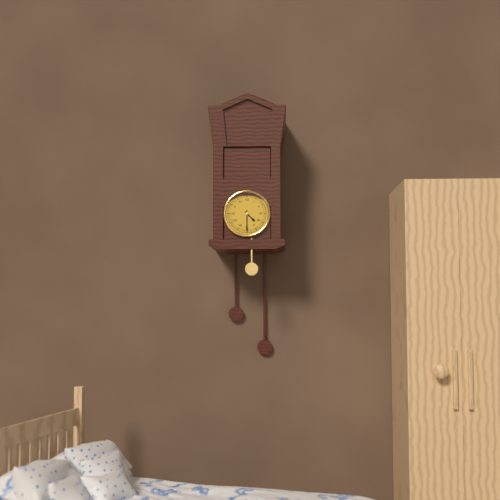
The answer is 4:30
